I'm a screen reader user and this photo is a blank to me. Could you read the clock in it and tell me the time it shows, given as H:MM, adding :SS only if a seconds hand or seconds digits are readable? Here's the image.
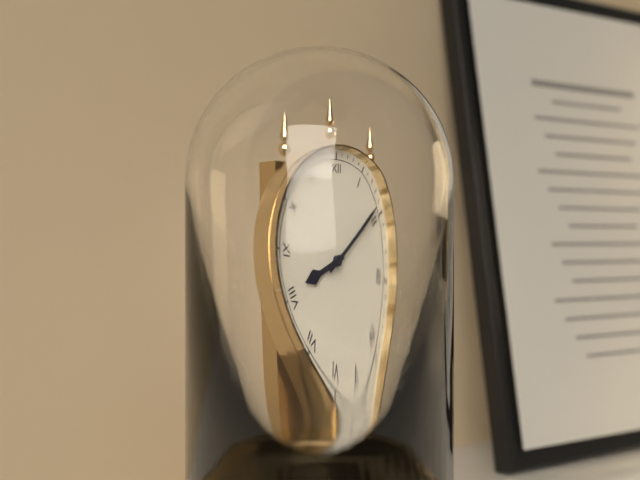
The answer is 8:09
